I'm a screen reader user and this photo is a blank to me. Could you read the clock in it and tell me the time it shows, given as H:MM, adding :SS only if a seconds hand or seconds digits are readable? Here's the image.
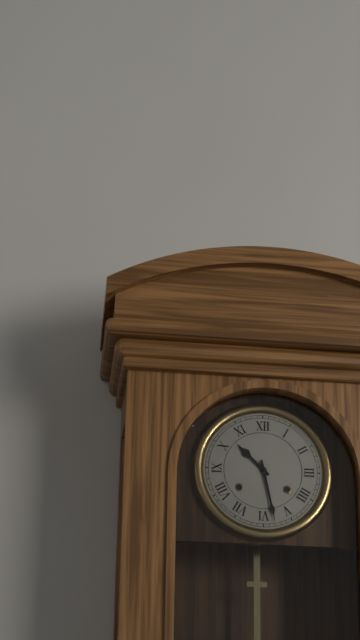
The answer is 10:28
